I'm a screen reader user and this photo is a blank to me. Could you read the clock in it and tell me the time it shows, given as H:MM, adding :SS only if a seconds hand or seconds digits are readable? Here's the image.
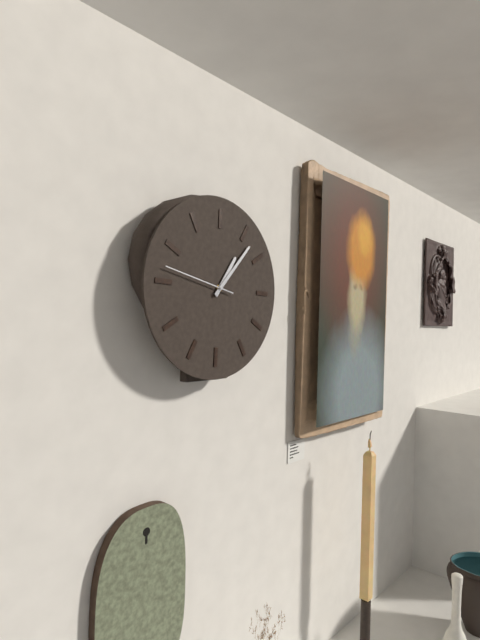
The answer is 1:07:47
